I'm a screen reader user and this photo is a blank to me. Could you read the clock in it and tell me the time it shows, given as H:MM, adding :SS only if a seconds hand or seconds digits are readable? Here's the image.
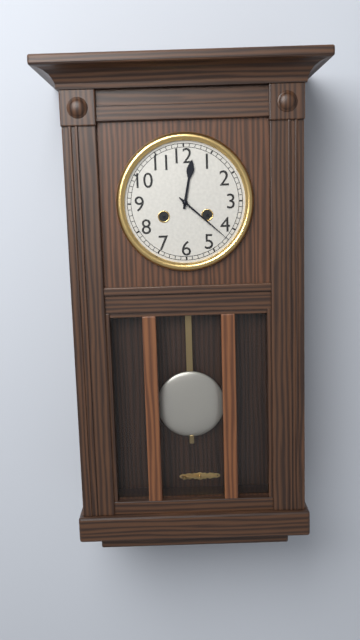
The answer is 12:22
